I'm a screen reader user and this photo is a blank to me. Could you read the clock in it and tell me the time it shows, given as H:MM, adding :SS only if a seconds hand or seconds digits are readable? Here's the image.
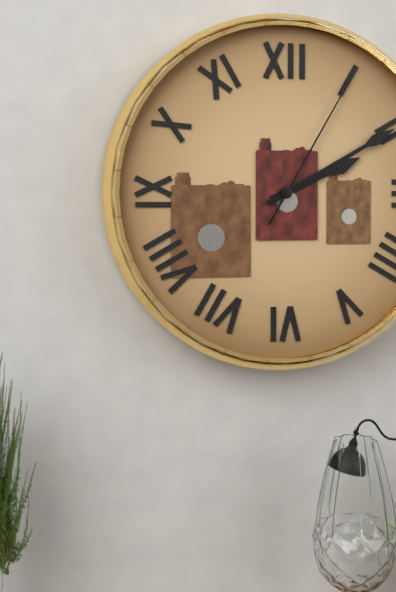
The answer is 2:10:05
